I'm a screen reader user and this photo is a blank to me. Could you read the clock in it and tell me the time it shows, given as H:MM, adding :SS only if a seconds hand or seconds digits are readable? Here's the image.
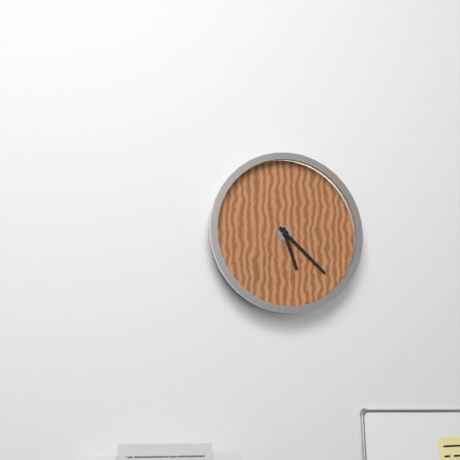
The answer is 5:22
